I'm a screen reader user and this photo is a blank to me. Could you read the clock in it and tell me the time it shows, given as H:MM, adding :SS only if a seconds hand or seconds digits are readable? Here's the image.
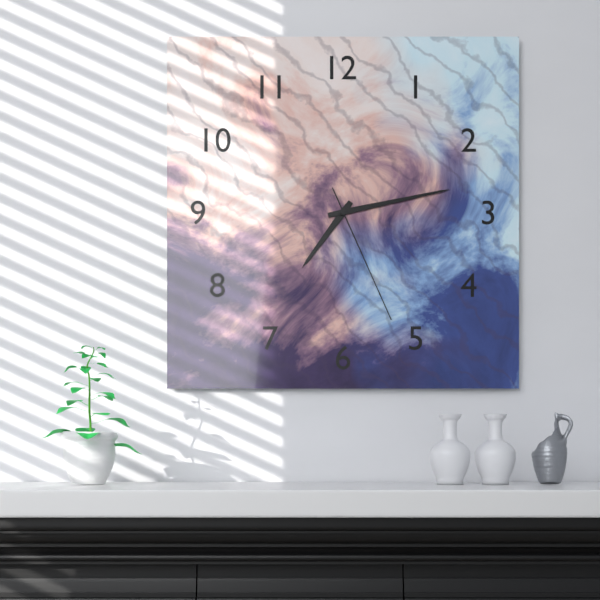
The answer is 7:13:26
